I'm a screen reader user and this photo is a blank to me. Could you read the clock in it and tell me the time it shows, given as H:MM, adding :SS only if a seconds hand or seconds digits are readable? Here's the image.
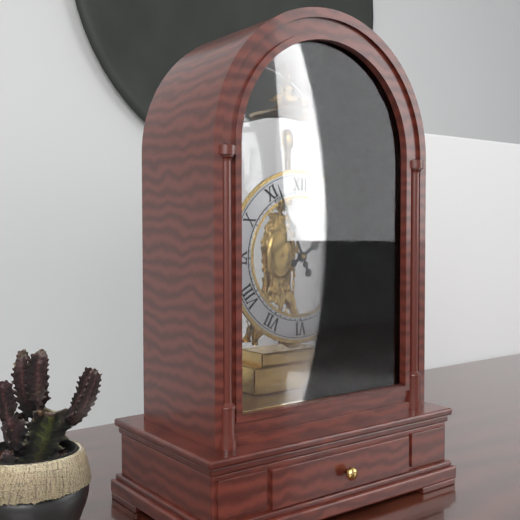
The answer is 1:56
